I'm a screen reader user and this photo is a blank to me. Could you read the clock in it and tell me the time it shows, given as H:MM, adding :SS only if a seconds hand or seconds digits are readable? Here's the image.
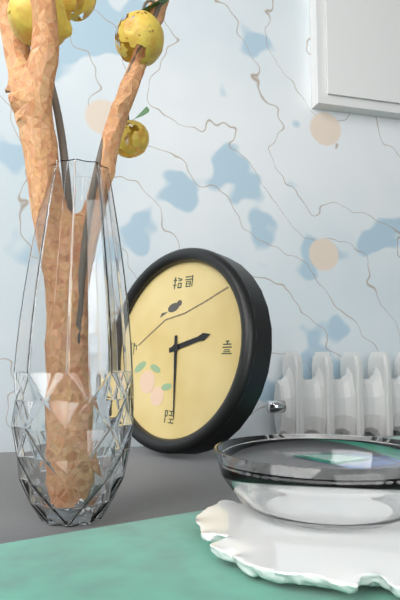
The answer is 2:29
